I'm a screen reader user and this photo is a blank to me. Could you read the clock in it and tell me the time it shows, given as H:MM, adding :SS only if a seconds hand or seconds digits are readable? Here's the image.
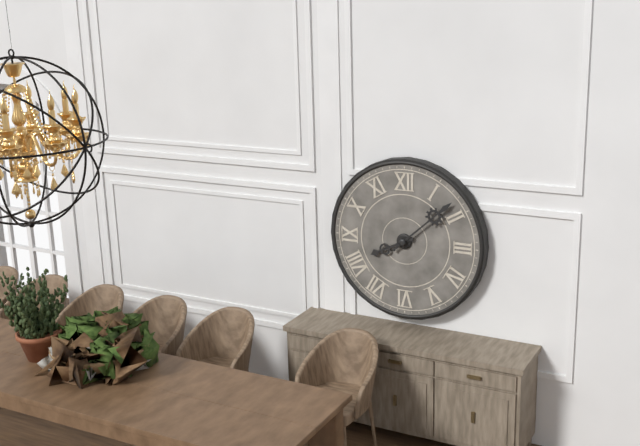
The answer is 8:08
